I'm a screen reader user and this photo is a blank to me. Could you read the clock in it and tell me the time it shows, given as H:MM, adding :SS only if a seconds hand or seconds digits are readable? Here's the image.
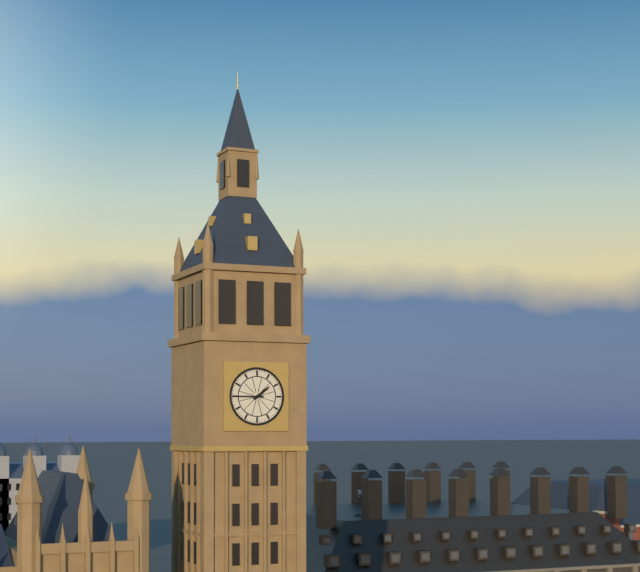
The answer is 1:45
